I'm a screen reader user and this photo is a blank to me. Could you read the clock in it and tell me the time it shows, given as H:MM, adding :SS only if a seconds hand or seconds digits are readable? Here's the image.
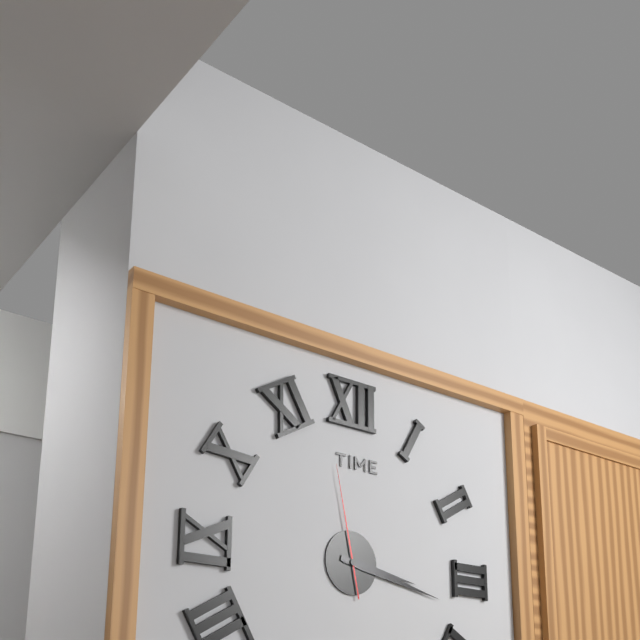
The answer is 3:17:58
